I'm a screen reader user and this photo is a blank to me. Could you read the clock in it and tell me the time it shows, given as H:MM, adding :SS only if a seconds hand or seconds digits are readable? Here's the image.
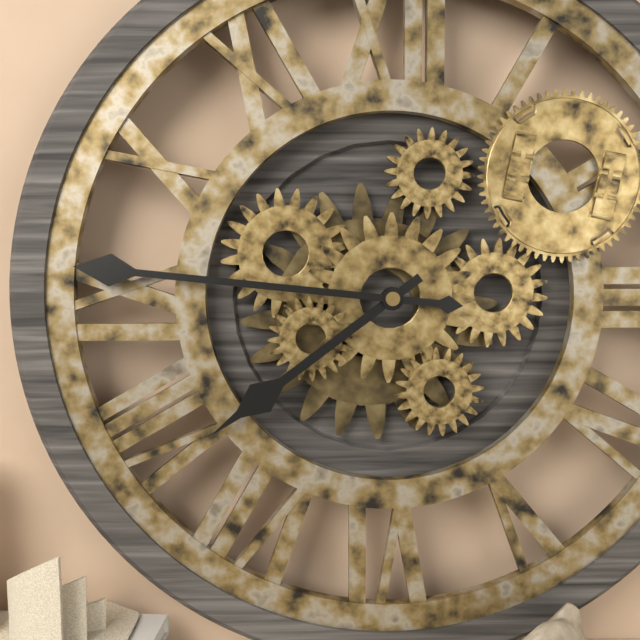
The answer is 7:46
